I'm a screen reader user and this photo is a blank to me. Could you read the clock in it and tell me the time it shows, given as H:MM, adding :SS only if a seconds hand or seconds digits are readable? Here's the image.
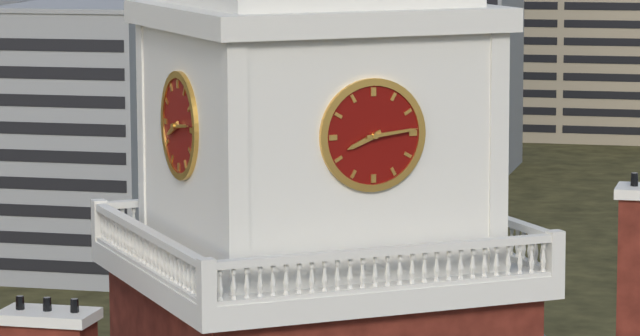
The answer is 8:14
